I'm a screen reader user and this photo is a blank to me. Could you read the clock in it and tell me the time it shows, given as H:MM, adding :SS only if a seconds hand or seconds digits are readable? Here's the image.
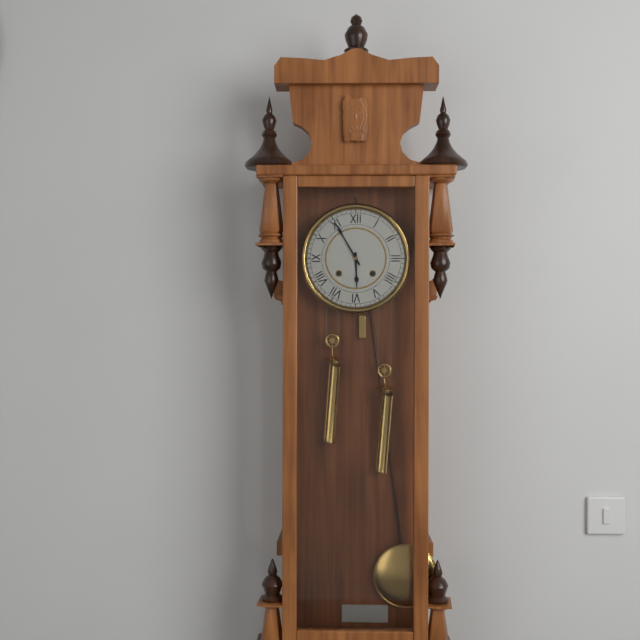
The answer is 5:55
